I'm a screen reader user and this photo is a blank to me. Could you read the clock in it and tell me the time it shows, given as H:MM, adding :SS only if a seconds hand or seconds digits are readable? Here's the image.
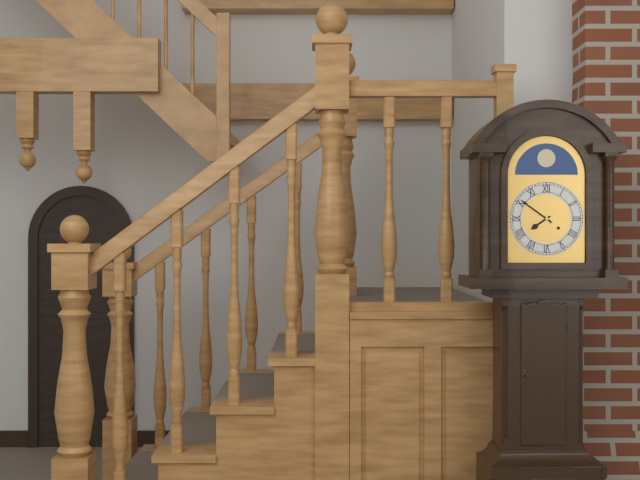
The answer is 7:51
